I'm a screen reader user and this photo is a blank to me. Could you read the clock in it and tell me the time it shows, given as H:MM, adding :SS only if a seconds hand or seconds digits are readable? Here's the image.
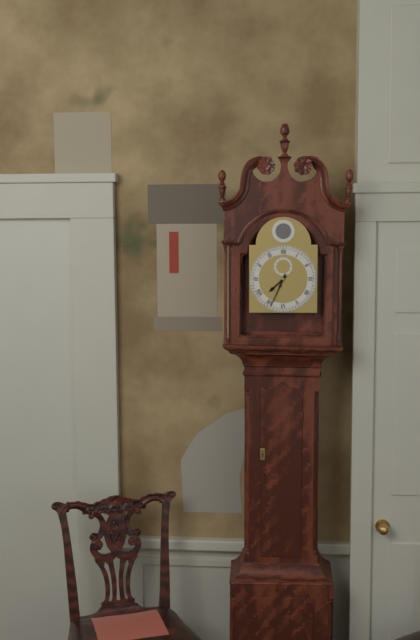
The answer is 7:34
